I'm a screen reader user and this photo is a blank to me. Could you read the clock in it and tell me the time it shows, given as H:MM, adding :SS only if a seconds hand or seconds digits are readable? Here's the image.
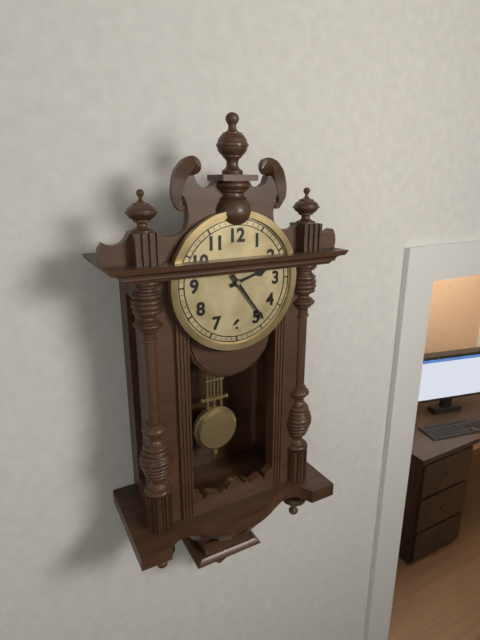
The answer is 2:24
